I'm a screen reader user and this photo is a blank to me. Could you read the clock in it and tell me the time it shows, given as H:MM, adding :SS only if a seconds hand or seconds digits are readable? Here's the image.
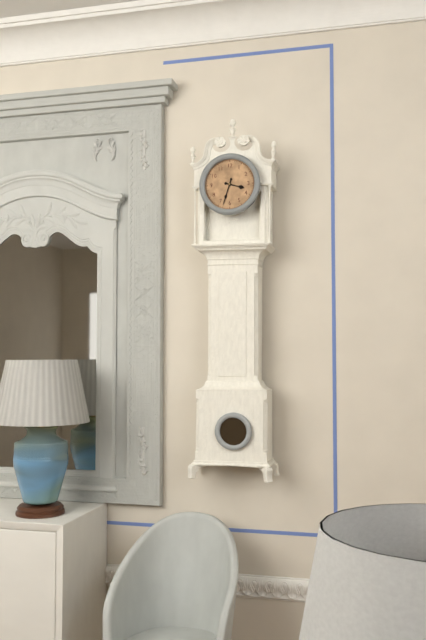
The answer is 3:33
